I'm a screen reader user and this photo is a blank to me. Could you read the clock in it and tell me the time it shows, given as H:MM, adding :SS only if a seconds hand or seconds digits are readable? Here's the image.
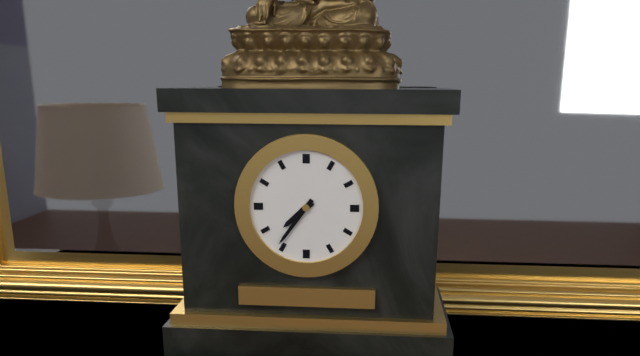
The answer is 7:36
